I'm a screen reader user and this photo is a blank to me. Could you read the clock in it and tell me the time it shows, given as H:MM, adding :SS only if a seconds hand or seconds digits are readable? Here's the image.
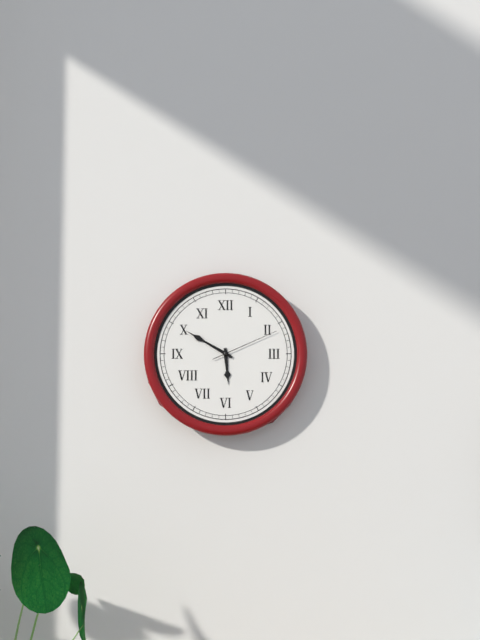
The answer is 5:50:11
